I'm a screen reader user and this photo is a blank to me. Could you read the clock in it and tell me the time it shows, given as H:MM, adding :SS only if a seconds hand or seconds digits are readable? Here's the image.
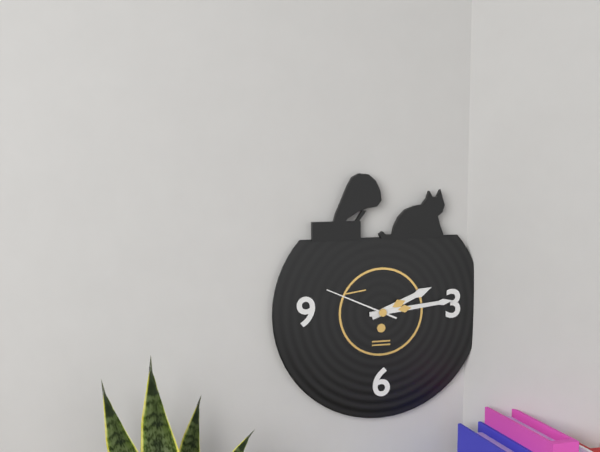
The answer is 2:14:49
